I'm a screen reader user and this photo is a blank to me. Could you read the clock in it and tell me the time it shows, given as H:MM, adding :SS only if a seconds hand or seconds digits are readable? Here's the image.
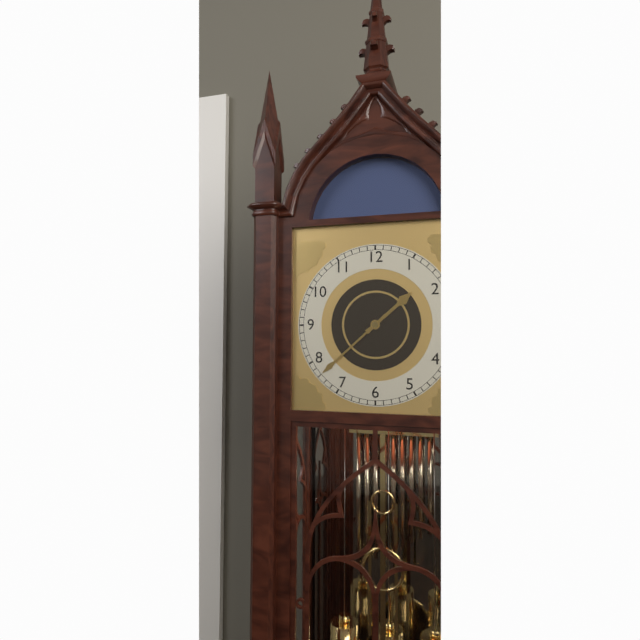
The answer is 1:38
